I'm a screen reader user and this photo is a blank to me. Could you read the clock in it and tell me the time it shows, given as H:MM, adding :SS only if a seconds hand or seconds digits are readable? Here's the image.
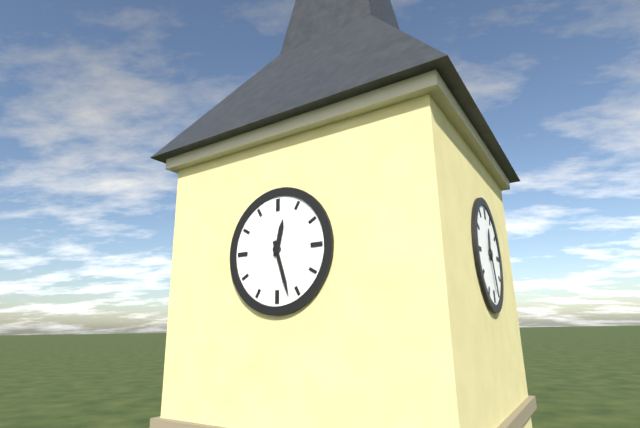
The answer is 12:27
